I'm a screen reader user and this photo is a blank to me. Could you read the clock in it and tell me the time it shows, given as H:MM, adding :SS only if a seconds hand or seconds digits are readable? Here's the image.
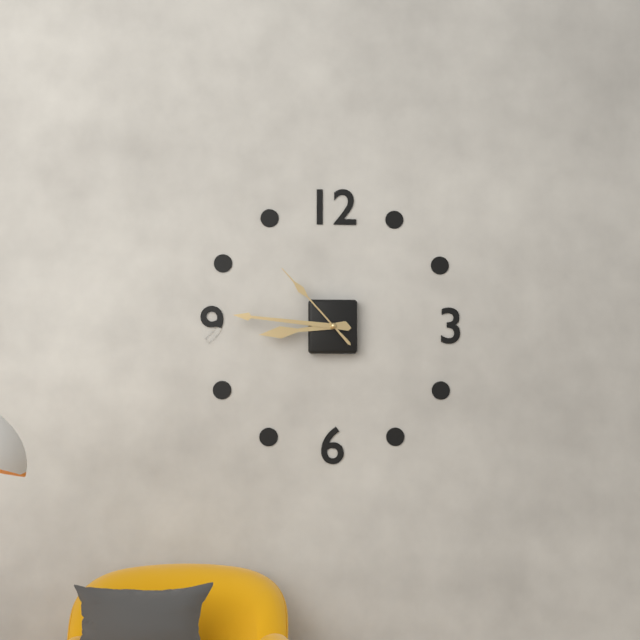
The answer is 8:46:53
